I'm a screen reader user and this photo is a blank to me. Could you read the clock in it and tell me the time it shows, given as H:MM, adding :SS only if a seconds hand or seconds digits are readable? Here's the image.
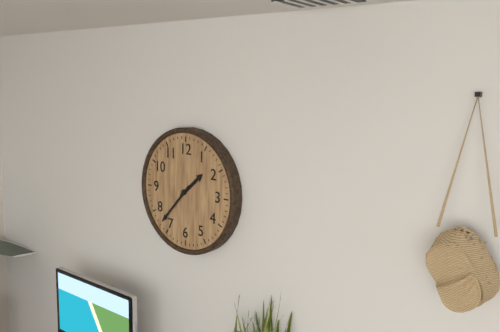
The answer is 1:37
